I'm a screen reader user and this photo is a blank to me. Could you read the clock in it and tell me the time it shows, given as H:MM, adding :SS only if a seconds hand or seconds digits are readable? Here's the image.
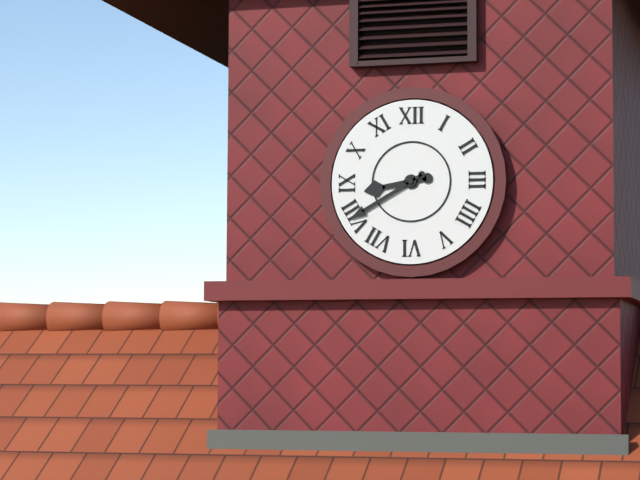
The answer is 8:40
